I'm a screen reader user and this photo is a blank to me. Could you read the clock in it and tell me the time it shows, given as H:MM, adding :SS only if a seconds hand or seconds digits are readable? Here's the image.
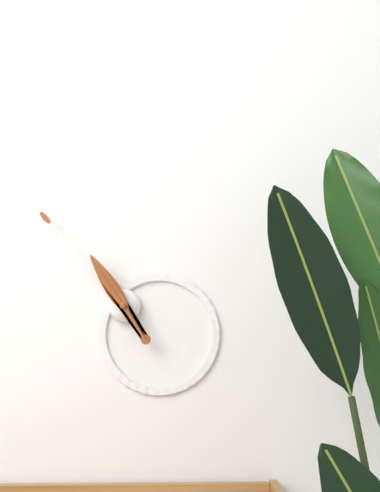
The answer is 10:53
